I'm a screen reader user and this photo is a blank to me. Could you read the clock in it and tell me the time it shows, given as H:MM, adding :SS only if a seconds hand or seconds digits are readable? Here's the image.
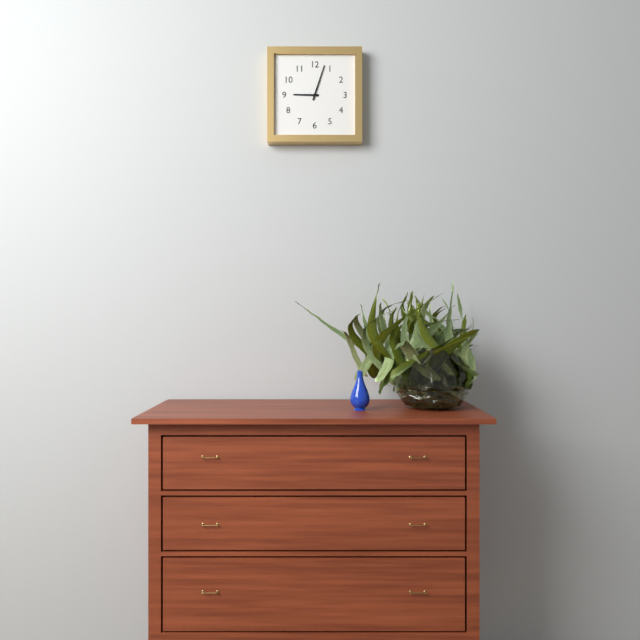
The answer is 9:03
